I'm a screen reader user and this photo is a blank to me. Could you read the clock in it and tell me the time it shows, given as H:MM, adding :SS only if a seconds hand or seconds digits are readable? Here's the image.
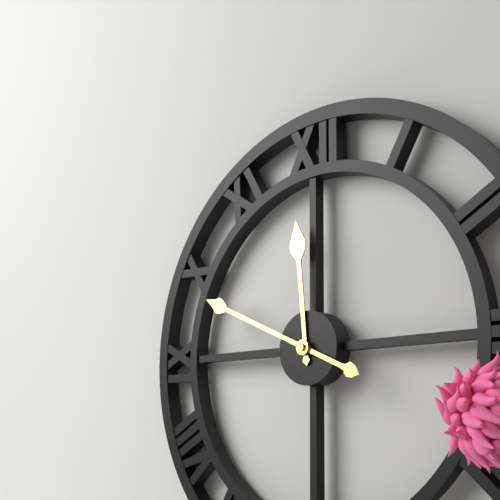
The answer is 11:49
